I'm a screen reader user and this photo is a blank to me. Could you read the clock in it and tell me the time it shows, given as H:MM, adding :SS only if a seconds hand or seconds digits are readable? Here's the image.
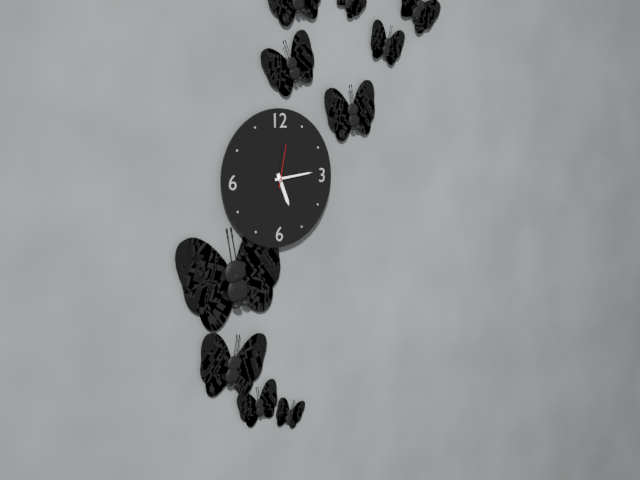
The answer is 5:14
